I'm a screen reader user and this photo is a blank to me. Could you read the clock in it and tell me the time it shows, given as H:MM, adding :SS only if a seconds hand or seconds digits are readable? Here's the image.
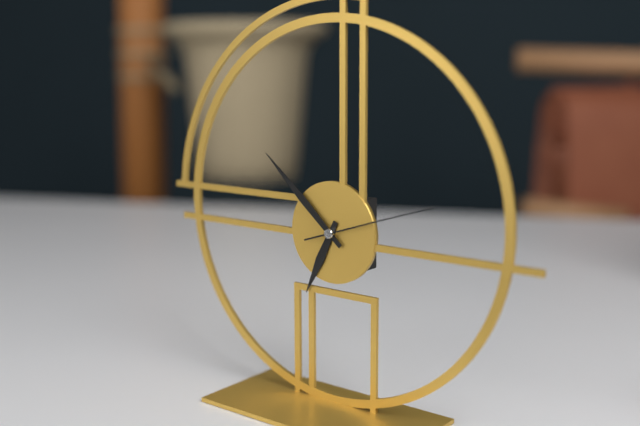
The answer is 6:52:12
